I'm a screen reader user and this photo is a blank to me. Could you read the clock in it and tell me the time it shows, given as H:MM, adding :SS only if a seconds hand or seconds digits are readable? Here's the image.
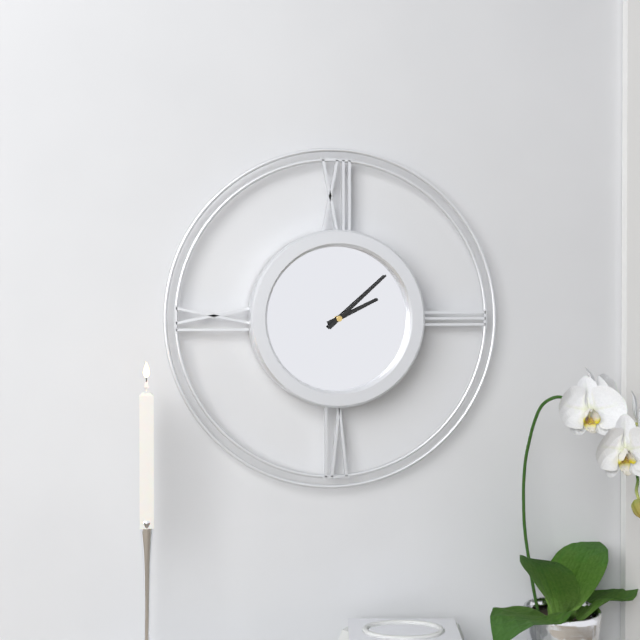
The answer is 2:08
